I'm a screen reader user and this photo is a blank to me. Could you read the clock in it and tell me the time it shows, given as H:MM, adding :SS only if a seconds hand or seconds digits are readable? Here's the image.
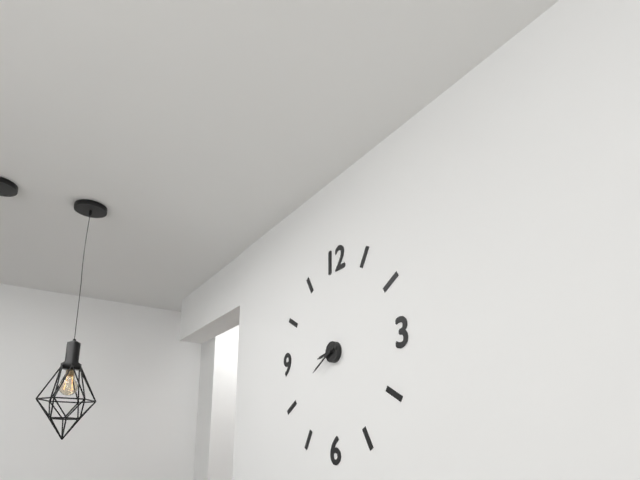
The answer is 8:40
